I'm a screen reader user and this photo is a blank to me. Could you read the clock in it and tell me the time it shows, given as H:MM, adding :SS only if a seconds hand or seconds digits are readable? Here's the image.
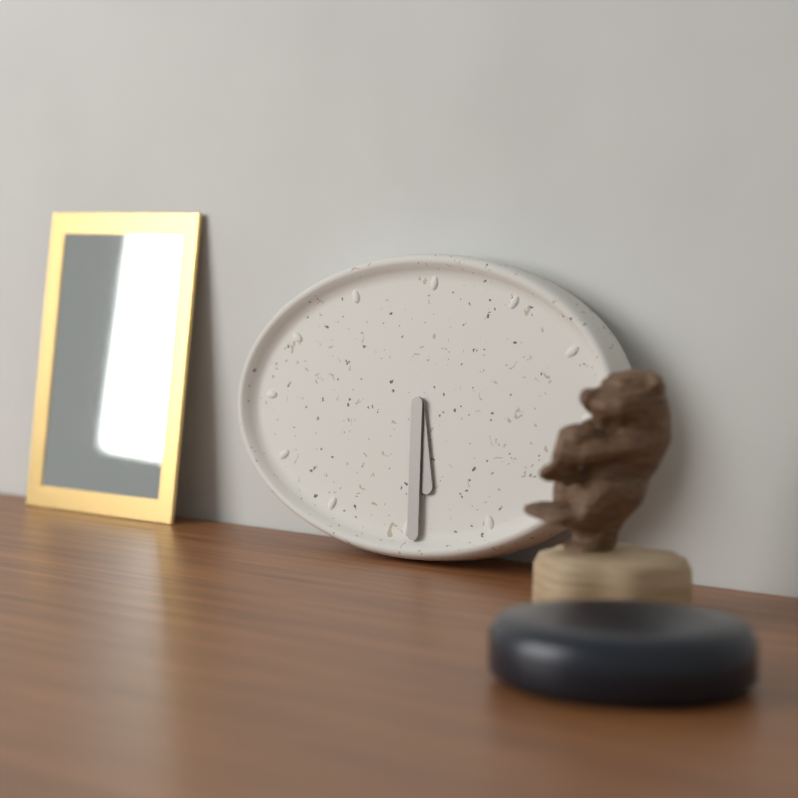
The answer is 5:29
